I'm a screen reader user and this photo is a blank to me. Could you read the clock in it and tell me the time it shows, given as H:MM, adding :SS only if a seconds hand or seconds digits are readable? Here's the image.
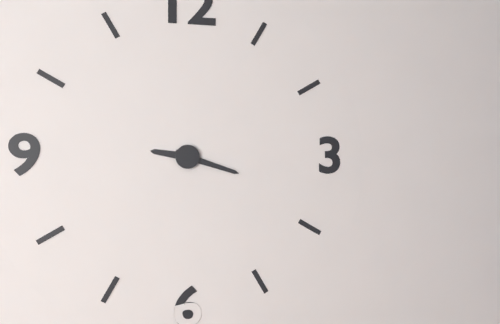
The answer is 9:18
